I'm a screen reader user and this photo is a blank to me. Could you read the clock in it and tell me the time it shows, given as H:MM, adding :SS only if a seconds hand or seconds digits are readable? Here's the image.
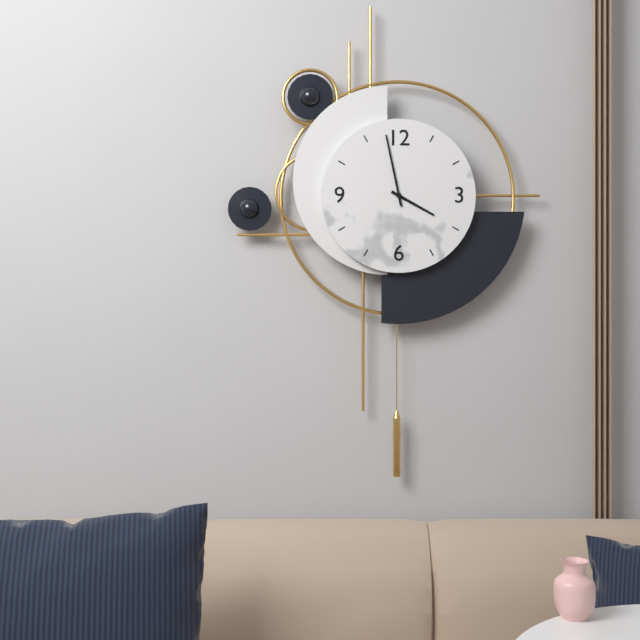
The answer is 3:58
